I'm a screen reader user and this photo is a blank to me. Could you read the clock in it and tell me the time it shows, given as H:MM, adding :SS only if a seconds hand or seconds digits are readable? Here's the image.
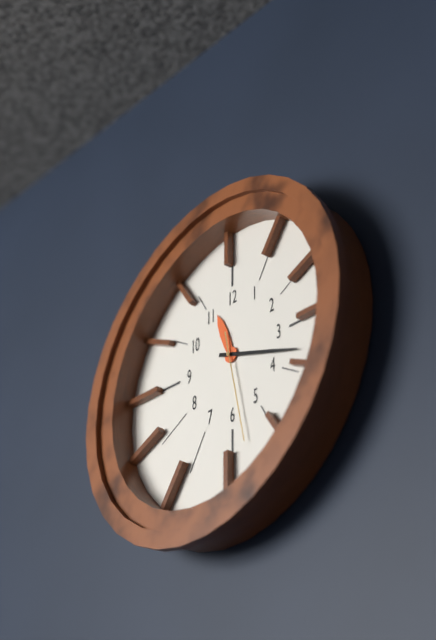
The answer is 11:18:28
